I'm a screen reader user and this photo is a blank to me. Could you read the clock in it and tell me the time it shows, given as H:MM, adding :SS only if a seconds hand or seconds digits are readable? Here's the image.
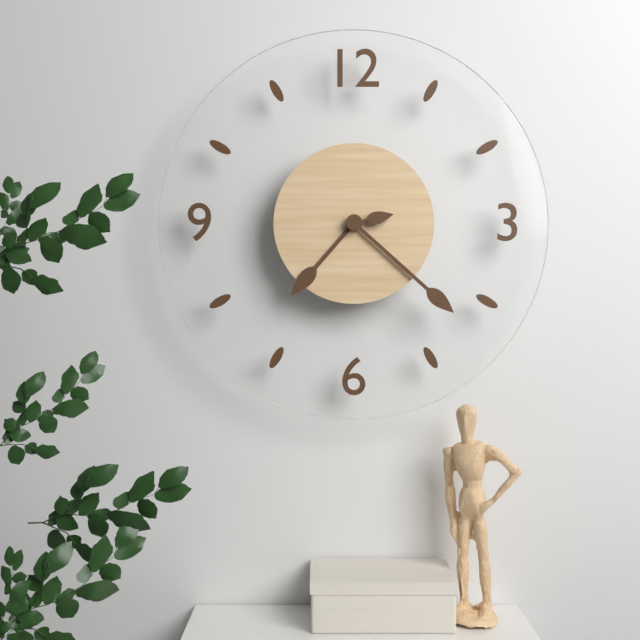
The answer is 7:22:13
